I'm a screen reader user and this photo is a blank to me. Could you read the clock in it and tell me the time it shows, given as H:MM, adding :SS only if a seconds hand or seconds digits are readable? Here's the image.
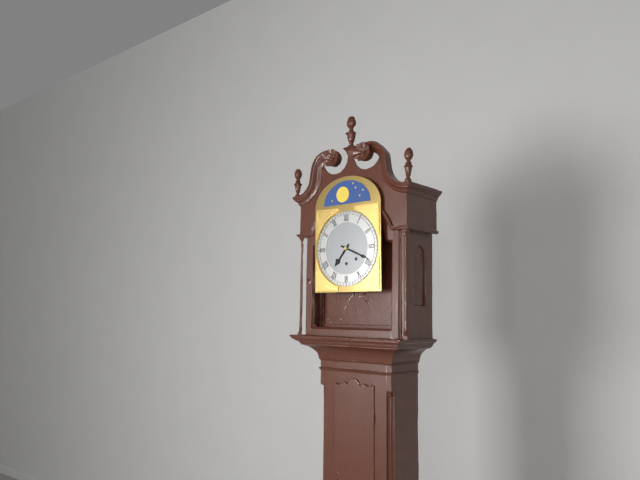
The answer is 7:19
